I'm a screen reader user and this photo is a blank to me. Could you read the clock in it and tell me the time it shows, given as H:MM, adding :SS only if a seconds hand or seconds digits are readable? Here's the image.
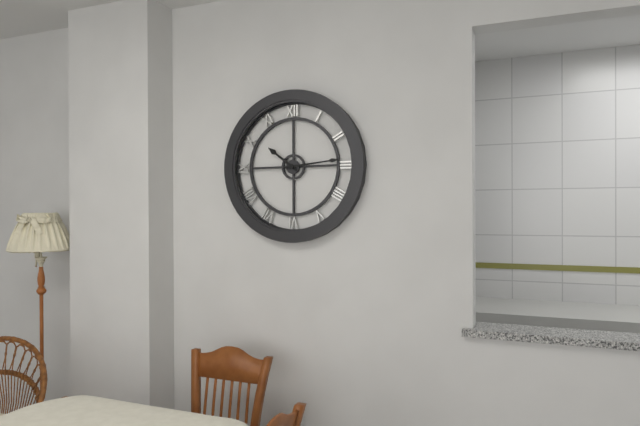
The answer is 10:14
